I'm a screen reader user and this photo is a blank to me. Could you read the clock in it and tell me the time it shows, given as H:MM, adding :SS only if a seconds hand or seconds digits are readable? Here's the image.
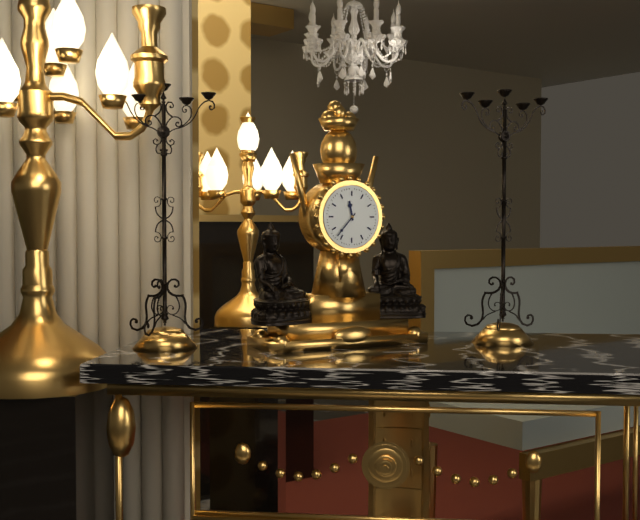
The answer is 11:37
